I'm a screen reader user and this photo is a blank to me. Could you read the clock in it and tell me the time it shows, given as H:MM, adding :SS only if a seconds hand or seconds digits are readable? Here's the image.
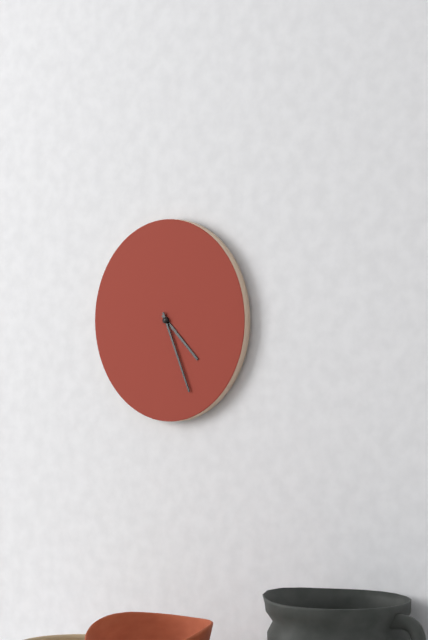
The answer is 4:26
